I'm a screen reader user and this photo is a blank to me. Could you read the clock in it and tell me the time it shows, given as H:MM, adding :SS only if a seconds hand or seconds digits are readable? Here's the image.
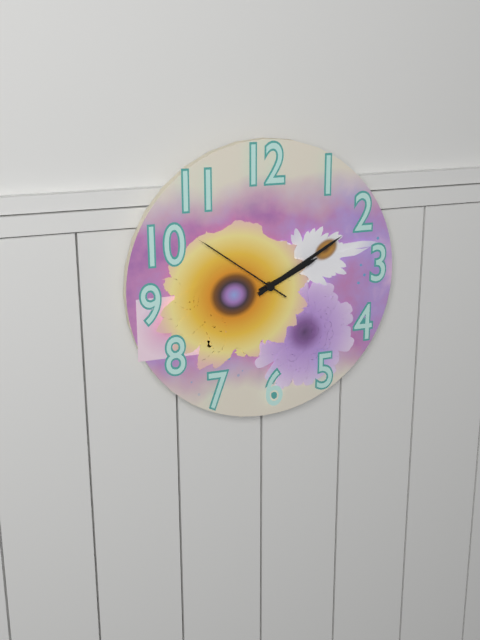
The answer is 2:10:51
